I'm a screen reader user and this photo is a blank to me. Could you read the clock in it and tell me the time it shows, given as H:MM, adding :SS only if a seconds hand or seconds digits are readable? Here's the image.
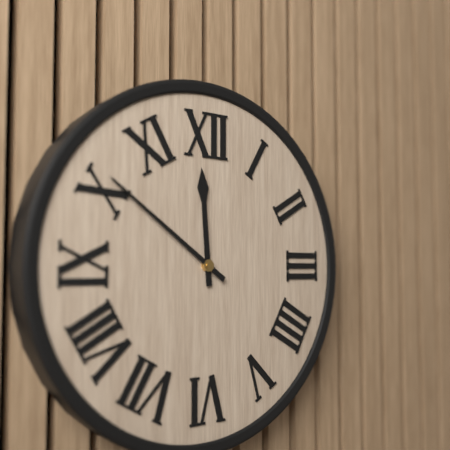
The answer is 11:51
